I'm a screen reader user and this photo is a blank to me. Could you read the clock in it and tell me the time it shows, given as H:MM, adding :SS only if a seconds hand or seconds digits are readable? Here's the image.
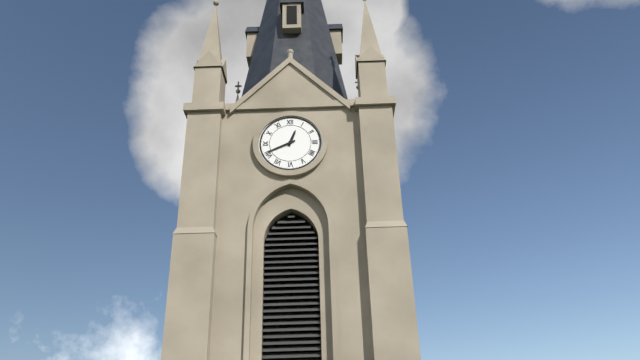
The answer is 12:41
